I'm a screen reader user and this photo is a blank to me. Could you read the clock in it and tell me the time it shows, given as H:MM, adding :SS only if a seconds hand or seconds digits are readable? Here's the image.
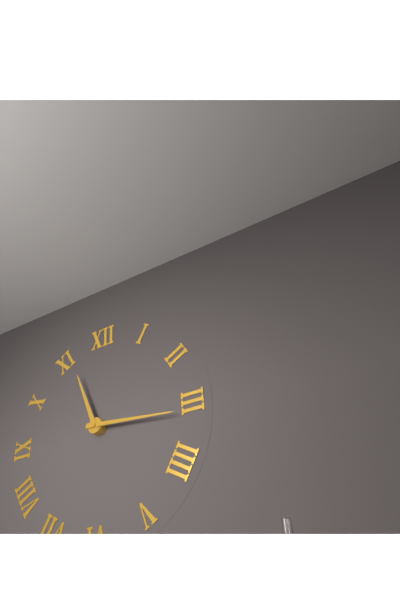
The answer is 11:16
